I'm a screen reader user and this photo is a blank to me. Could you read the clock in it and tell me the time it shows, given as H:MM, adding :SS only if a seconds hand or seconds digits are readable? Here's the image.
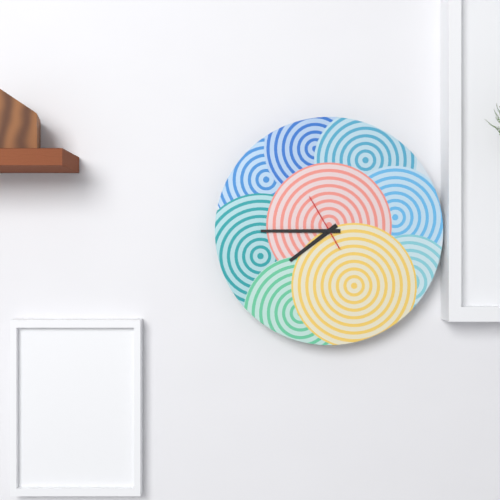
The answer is 7:45
